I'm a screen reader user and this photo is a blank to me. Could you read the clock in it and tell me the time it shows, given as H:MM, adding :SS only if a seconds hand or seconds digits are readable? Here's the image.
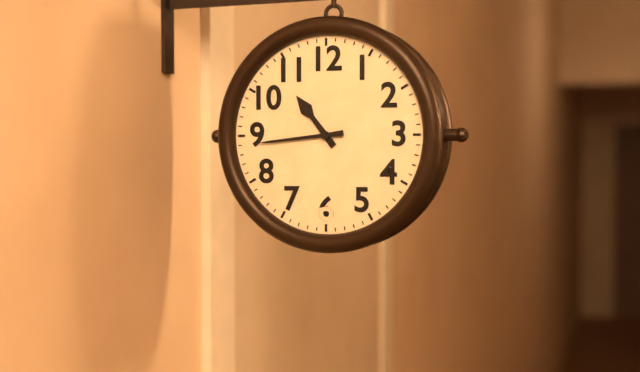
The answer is 10:44
